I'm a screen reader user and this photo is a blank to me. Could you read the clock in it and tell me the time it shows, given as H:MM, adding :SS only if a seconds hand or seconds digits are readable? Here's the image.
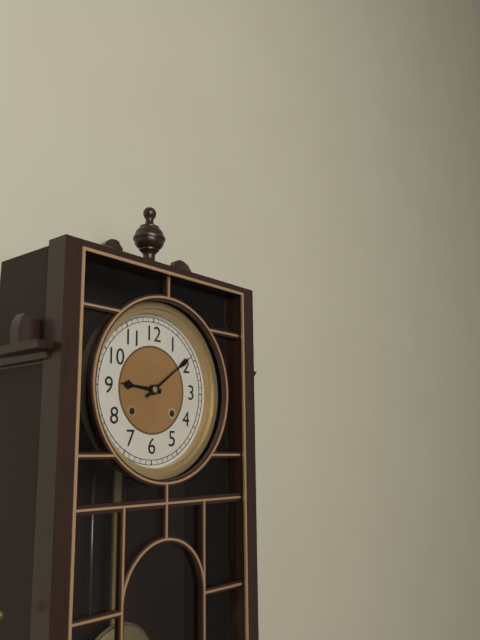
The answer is 9:09
